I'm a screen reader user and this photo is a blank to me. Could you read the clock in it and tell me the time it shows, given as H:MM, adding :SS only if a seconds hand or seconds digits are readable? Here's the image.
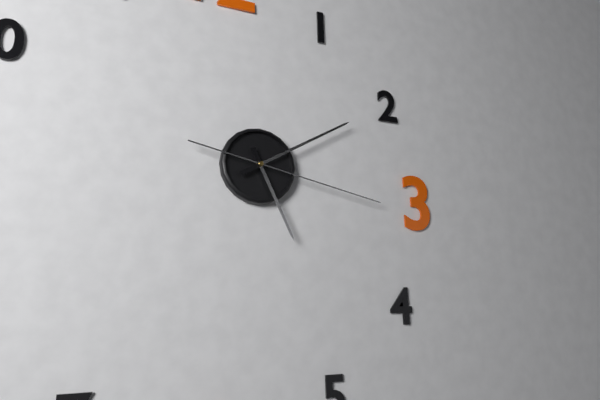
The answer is 5:10:17
